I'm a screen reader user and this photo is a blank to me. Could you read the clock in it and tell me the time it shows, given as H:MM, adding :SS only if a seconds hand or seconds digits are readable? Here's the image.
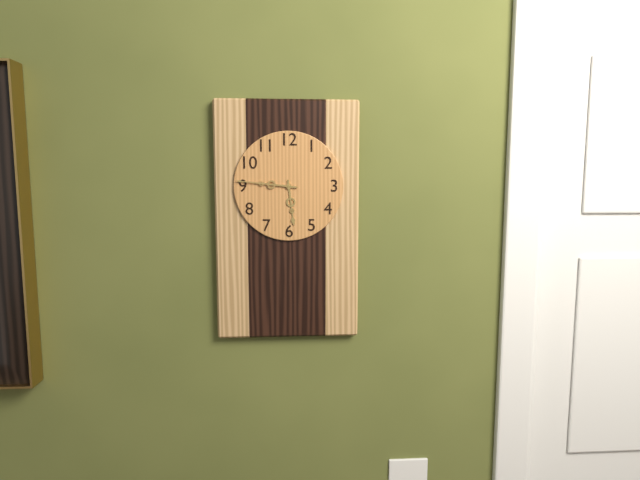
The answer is 5:46
